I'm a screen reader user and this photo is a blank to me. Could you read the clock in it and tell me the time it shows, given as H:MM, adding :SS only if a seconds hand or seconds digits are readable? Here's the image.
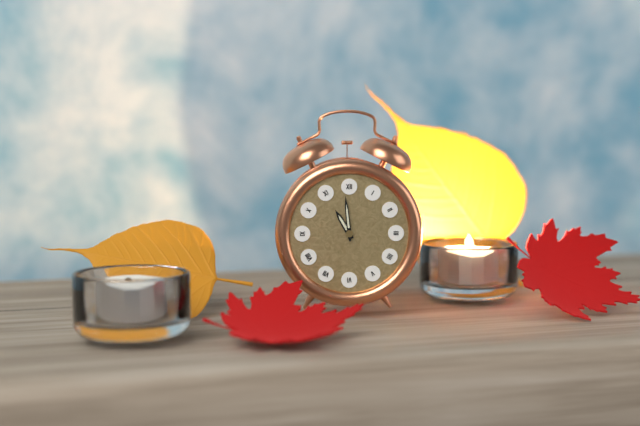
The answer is 10:59
